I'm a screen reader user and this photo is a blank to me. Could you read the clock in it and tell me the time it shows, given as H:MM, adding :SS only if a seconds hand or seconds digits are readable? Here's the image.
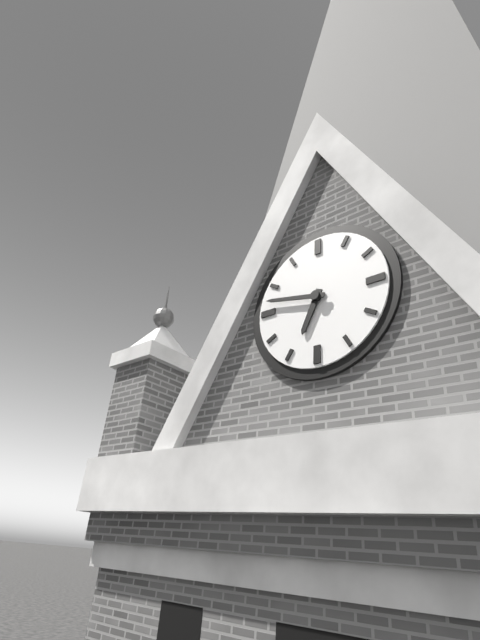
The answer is 6:47
